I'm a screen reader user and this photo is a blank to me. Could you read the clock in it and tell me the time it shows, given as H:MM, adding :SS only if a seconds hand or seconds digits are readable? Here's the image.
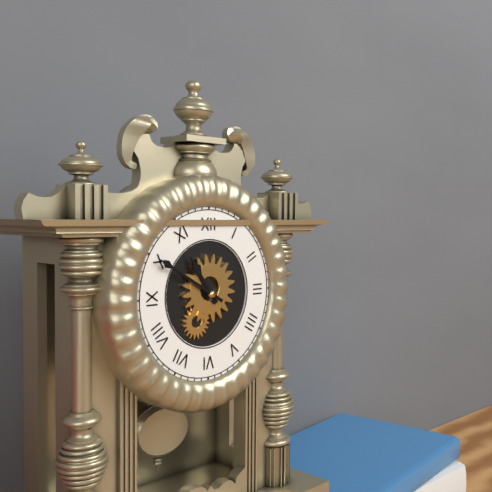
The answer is 10:50
